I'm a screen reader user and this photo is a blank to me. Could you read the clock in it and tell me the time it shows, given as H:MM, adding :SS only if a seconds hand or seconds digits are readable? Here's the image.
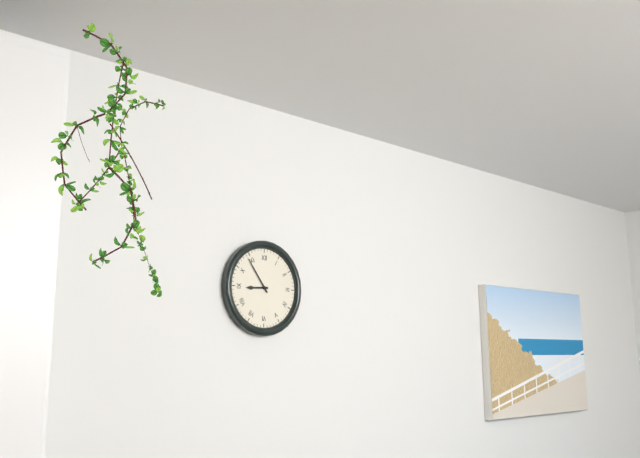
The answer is 8:54
